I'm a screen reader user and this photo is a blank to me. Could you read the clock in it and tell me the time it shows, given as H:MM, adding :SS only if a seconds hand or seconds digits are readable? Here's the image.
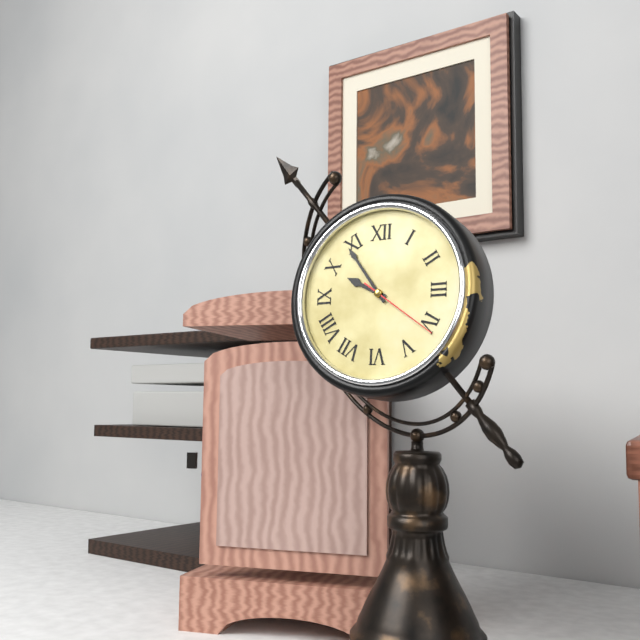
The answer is 9:54:21
